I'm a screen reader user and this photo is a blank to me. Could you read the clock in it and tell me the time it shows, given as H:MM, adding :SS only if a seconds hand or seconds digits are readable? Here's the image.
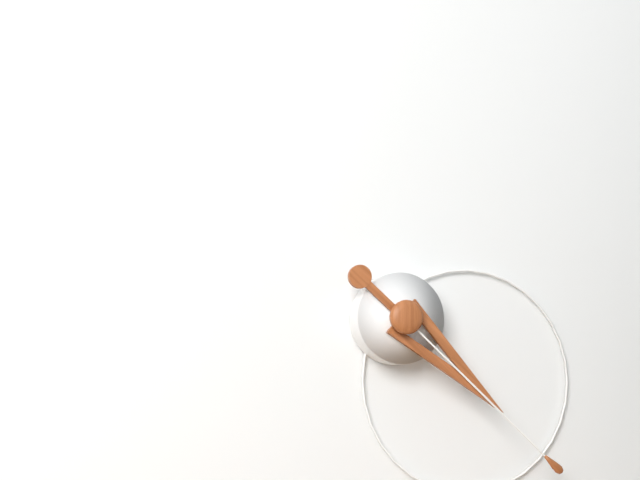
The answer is 4:22
